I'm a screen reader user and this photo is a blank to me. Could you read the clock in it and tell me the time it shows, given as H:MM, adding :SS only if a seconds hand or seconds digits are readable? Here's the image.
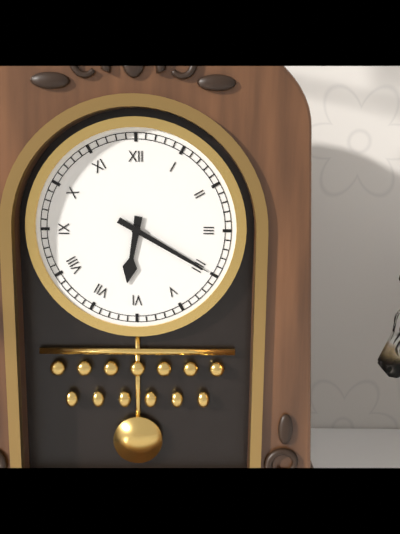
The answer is 6:20
